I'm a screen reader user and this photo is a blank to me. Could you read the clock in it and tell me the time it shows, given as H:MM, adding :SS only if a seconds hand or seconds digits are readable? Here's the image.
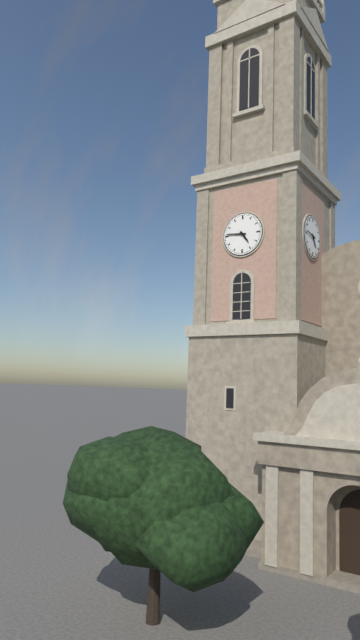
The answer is 4:46
